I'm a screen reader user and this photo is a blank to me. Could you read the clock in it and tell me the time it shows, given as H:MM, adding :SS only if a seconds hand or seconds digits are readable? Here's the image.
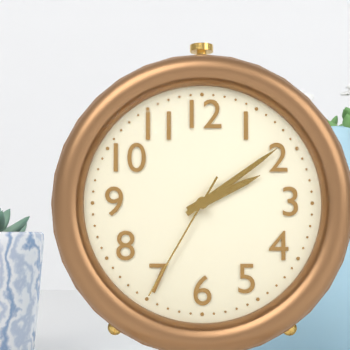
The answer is 2:09:35
